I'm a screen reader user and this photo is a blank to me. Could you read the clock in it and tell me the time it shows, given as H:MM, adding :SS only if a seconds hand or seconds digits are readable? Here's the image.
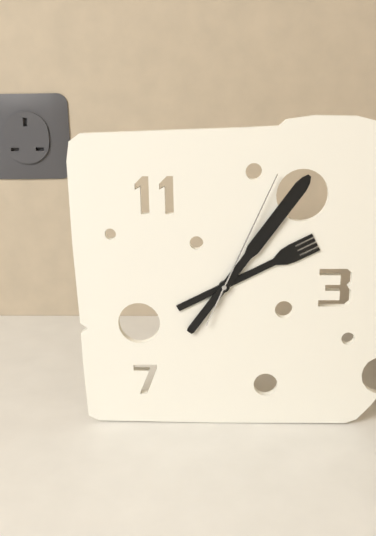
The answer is 2:06:04
